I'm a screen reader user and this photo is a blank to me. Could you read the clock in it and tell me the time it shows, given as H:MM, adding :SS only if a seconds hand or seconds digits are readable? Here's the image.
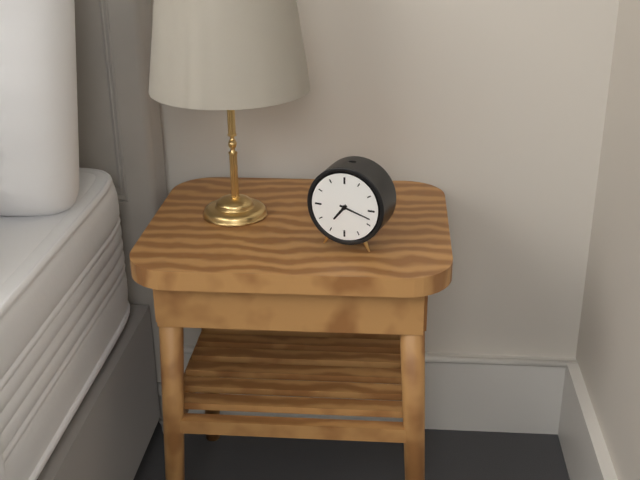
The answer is 7:18
